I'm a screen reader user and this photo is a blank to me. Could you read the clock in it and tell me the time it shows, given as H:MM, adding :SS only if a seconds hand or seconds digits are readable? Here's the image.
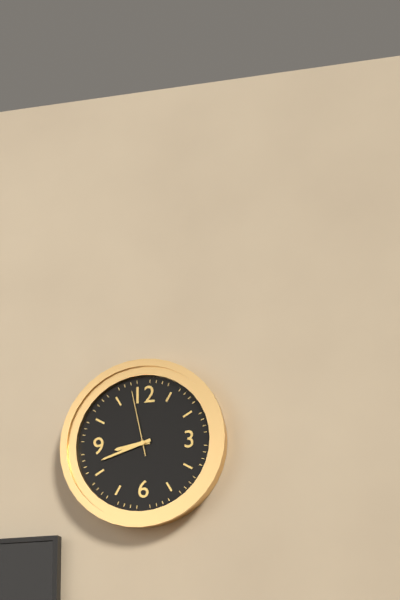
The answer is 8:42:58
